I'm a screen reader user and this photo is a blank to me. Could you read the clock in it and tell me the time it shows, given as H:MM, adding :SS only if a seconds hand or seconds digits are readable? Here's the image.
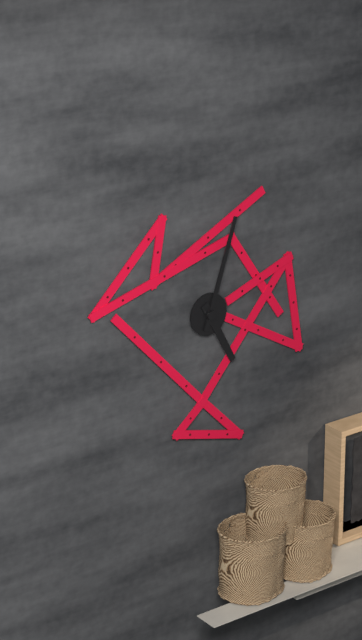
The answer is 5:03
